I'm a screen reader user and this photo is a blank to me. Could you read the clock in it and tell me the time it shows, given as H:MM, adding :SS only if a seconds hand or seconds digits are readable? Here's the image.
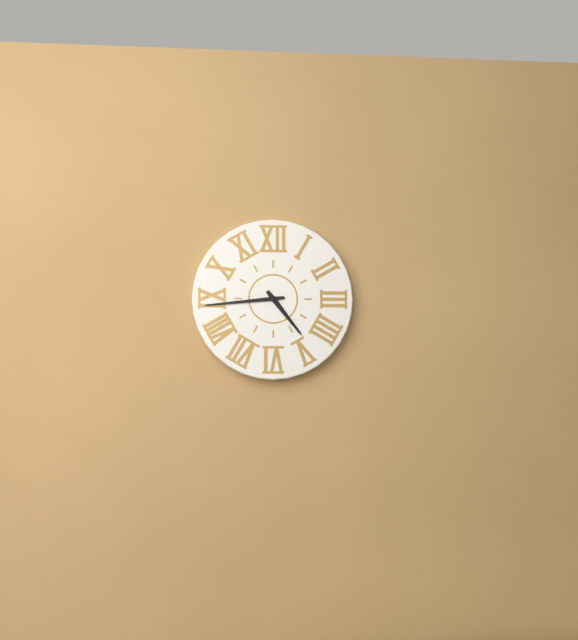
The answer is 4:44
